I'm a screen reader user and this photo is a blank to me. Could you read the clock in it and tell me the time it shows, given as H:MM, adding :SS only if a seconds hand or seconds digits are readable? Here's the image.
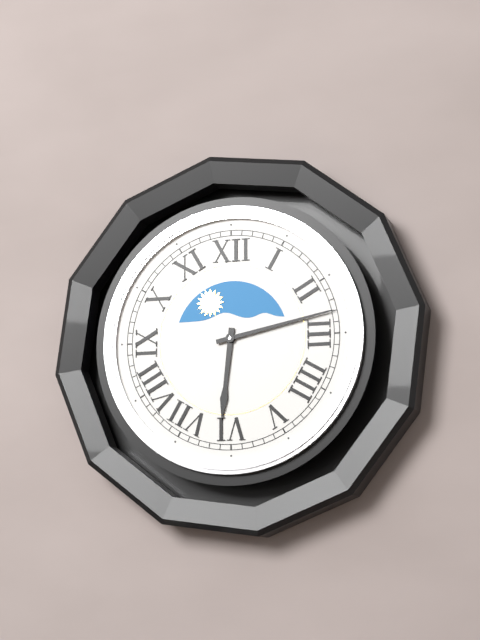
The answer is 6:13
